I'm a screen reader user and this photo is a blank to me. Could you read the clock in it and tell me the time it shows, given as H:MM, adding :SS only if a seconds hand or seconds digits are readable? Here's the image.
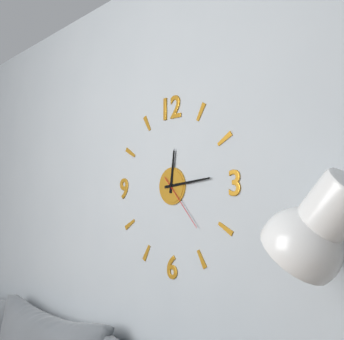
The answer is 12:14:23
